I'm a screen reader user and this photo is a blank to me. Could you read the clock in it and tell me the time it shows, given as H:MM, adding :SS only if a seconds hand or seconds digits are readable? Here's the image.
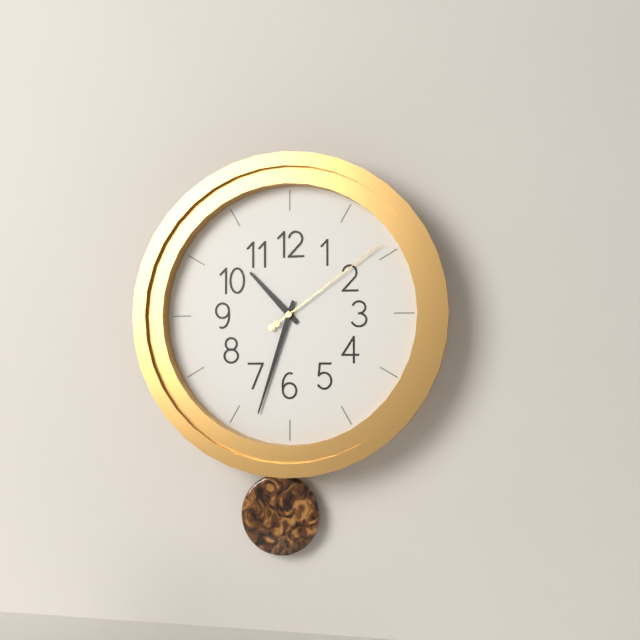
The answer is 10:33:09
